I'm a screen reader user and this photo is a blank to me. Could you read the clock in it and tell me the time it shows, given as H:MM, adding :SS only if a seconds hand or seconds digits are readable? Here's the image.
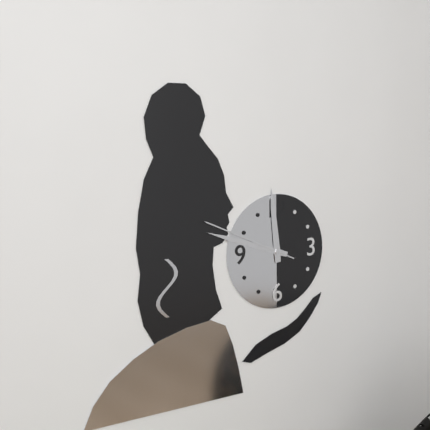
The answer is 11:48:49
